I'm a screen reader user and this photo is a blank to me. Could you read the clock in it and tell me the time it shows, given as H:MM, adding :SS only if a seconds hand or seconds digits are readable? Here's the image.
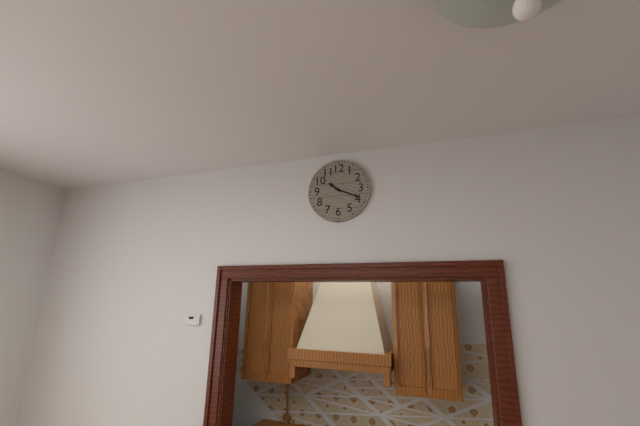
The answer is 10:19
